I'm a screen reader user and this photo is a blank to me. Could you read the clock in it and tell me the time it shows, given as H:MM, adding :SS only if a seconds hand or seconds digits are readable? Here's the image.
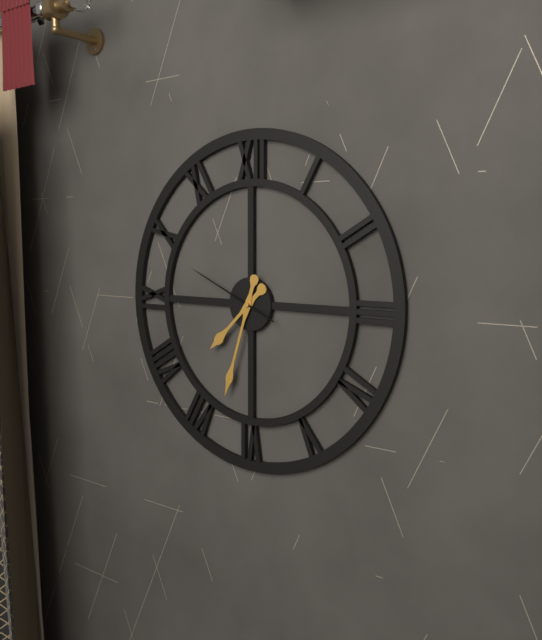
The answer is 7:33:49
